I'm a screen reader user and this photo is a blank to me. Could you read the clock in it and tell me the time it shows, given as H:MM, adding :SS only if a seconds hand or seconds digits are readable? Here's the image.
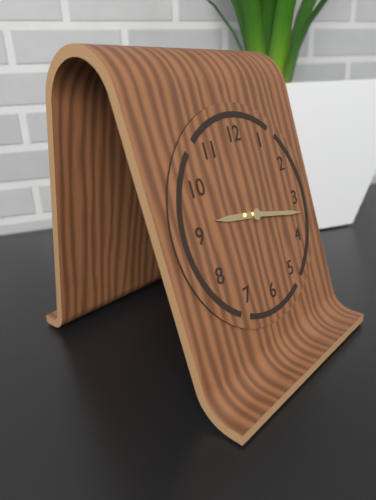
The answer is 9:17
